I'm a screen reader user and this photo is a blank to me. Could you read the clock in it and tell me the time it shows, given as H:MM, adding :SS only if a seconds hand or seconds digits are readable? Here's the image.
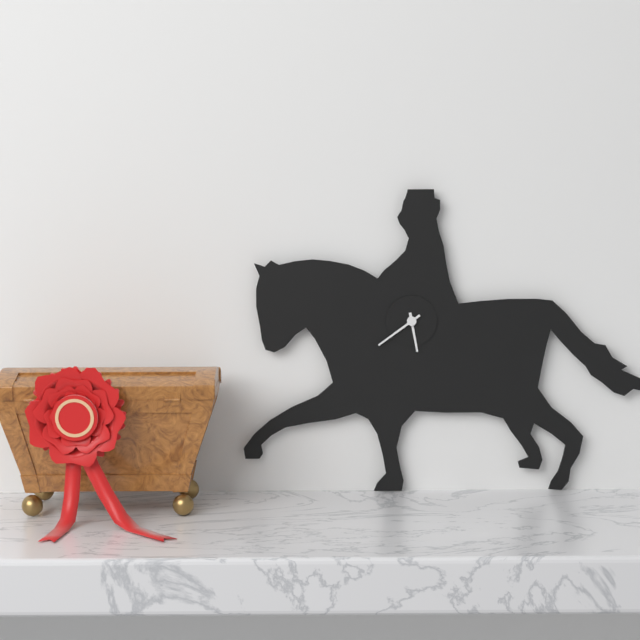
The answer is 5:39
